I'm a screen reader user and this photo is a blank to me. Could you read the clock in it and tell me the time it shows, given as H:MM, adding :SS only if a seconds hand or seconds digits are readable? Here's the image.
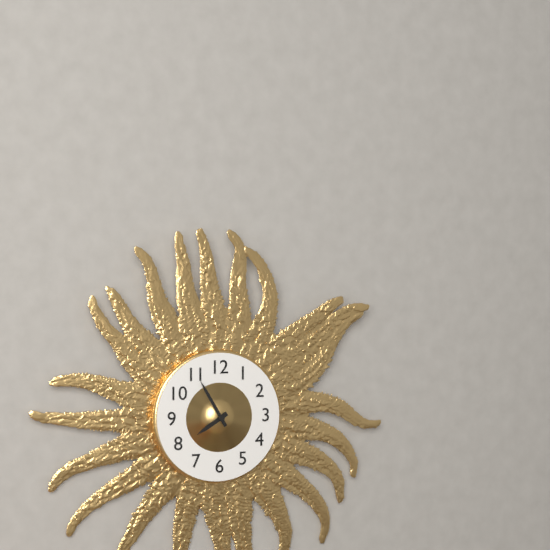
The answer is 7:55
